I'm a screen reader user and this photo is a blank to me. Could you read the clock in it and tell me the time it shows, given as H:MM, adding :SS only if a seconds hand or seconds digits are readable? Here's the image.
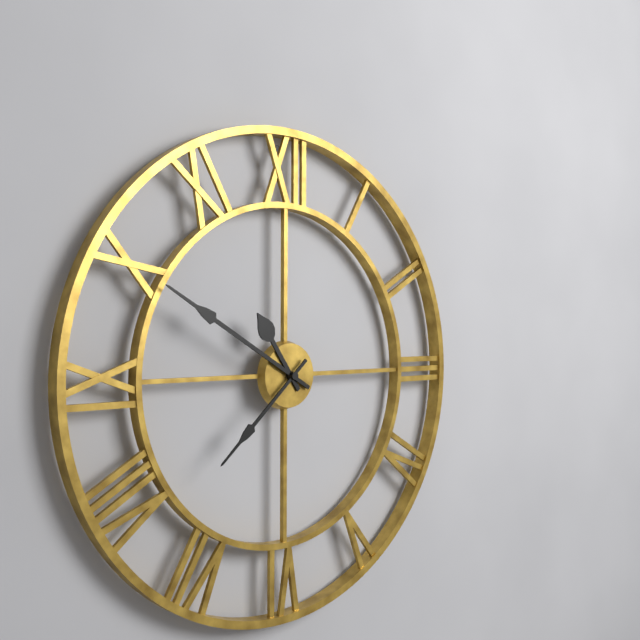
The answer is 10:50:38
